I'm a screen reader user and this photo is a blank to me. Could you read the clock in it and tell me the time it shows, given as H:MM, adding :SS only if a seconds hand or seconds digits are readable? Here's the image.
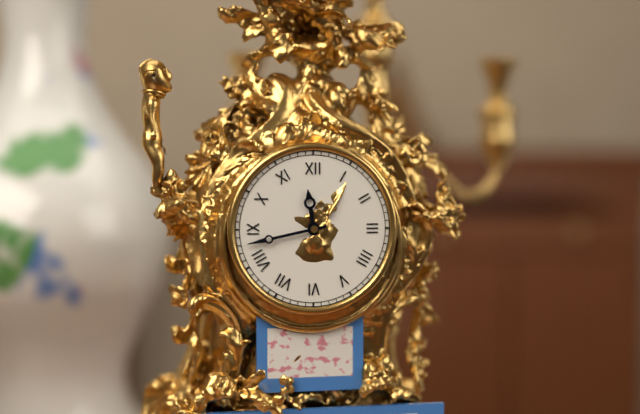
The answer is 11:43
